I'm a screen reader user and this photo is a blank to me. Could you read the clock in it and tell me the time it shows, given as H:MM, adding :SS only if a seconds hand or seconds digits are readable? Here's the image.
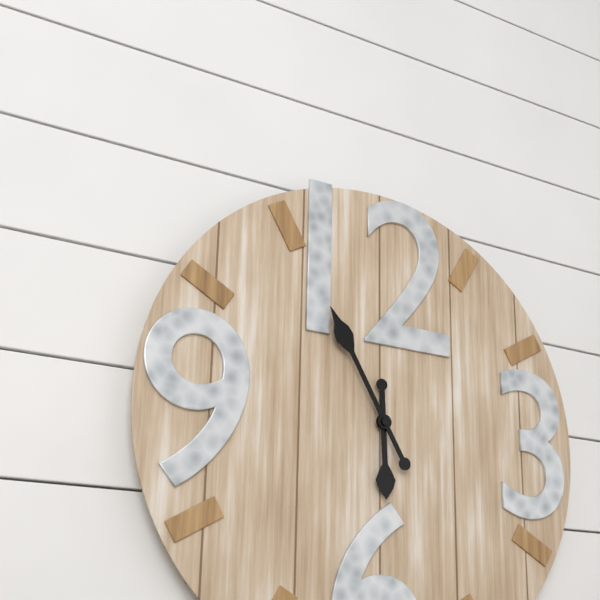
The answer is 5:55
